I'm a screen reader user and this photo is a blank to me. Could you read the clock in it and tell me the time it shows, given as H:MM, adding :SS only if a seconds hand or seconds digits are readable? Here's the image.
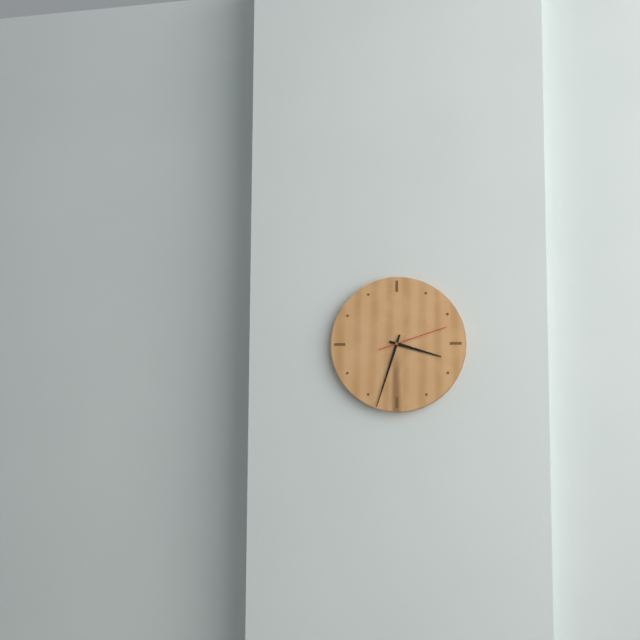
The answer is 3:33:12
